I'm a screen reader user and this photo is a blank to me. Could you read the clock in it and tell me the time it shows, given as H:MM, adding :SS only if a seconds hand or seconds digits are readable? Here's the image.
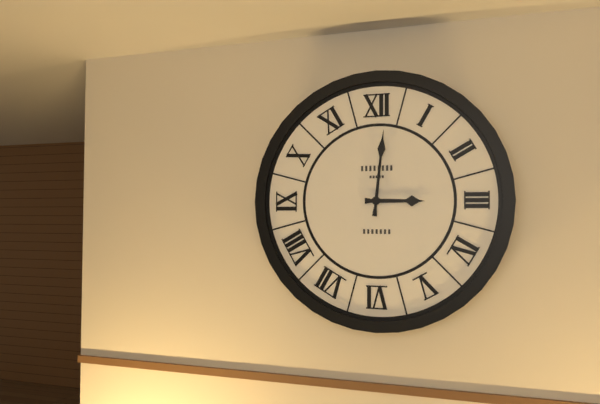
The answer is 3:01
